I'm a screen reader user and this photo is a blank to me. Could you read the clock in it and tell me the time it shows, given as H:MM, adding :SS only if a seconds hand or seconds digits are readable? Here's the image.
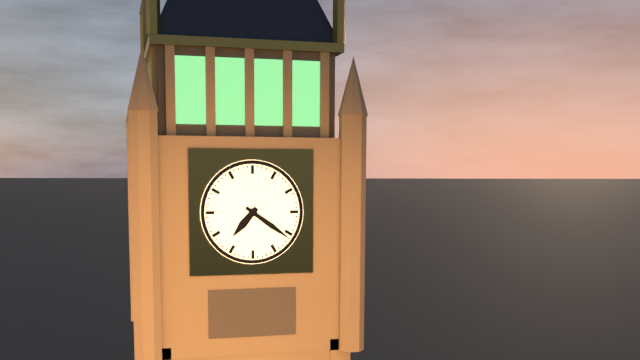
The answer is 7:21
